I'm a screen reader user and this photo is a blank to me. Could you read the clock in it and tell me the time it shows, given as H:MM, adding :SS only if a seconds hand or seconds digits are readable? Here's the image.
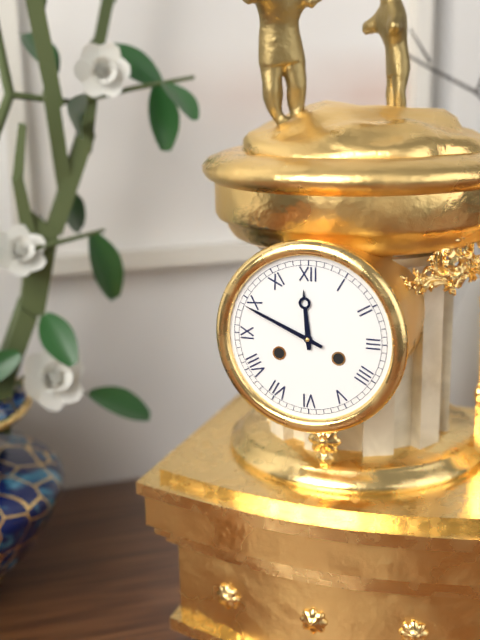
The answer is 11:49
